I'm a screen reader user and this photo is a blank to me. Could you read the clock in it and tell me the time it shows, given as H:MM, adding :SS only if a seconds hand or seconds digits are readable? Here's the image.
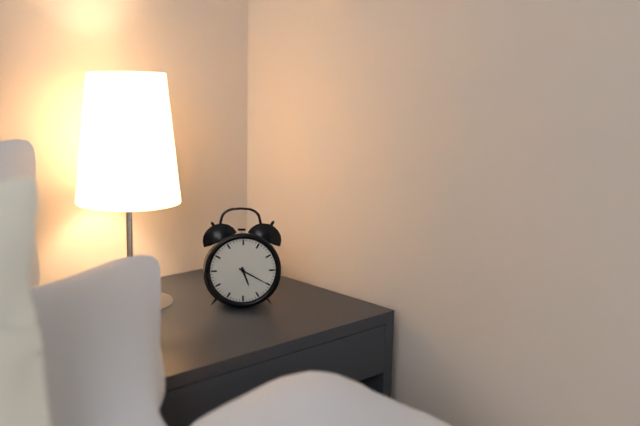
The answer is 5:20
